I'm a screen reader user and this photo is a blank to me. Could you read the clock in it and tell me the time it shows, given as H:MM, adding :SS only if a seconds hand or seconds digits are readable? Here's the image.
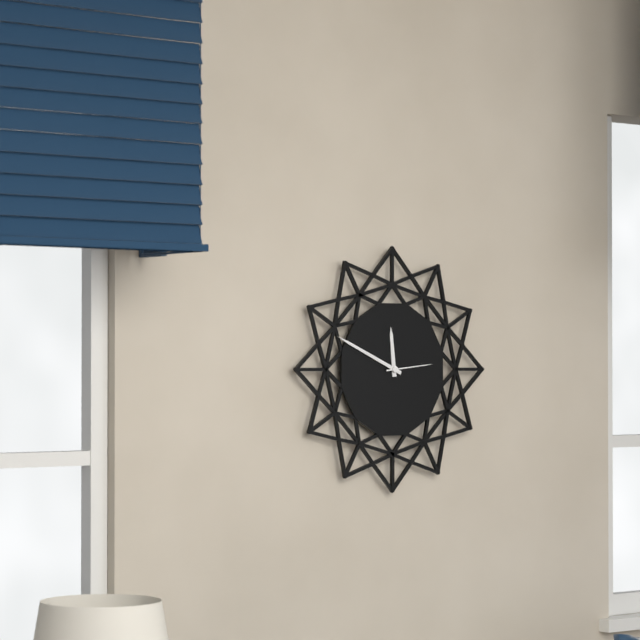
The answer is 11:49:14
